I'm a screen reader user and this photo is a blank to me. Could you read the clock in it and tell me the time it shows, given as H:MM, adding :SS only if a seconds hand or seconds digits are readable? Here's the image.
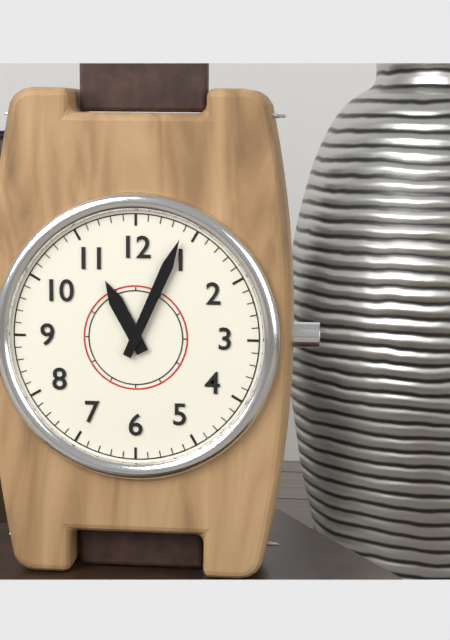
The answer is 11:04
